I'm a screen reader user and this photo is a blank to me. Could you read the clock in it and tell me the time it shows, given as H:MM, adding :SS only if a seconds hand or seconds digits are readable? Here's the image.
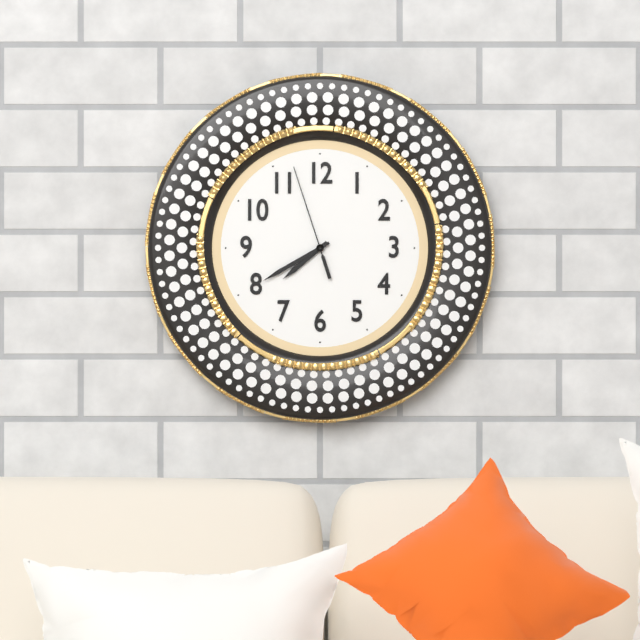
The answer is 7:40:57
